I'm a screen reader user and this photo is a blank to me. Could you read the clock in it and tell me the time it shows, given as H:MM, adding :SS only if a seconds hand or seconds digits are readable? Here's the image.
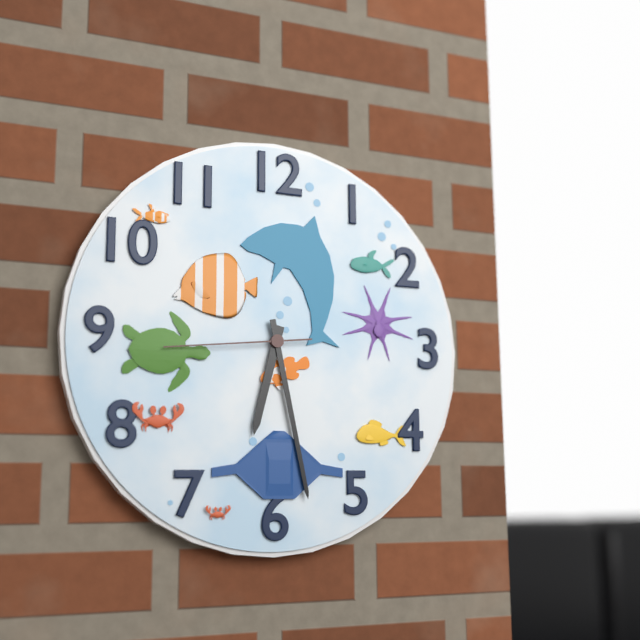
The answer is 6:28:44
